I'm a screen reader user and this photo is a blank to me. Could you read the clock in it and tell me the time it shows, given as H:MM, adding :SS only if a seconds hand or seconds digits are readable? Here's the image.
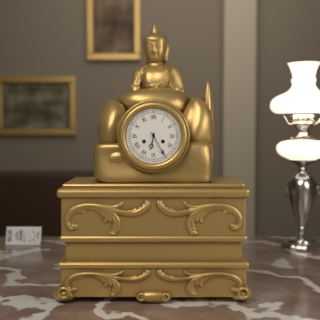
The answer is 6:25
